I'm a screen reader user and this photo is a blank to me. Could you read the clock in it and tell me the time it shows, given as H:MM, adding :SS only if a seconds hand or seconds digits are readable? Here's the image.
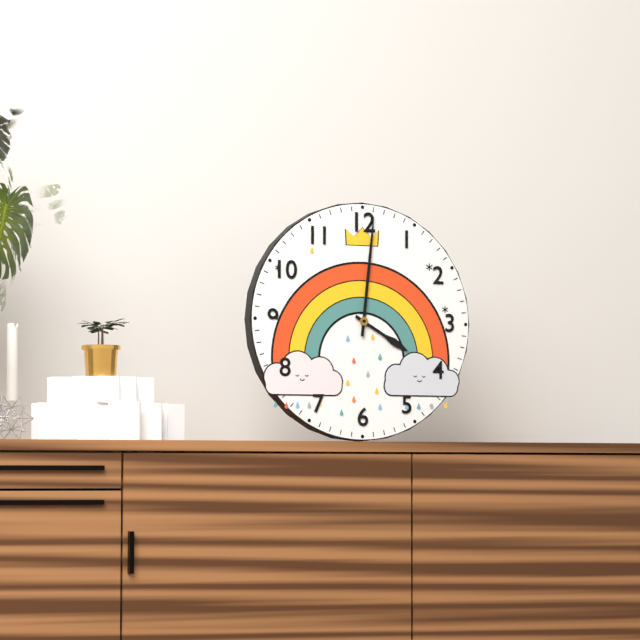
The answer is 4:01
